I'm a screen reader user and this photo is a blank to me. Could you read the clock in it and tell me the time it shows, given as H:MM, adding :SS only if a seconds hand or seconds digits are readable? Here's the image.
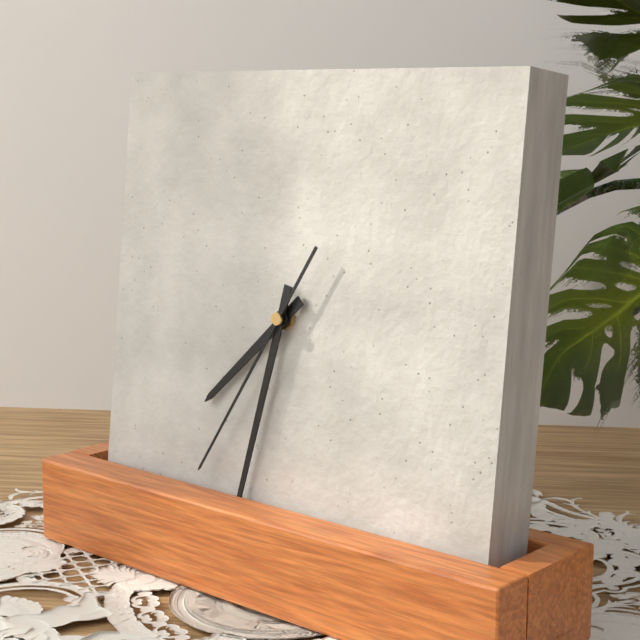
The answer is 7:32:35
